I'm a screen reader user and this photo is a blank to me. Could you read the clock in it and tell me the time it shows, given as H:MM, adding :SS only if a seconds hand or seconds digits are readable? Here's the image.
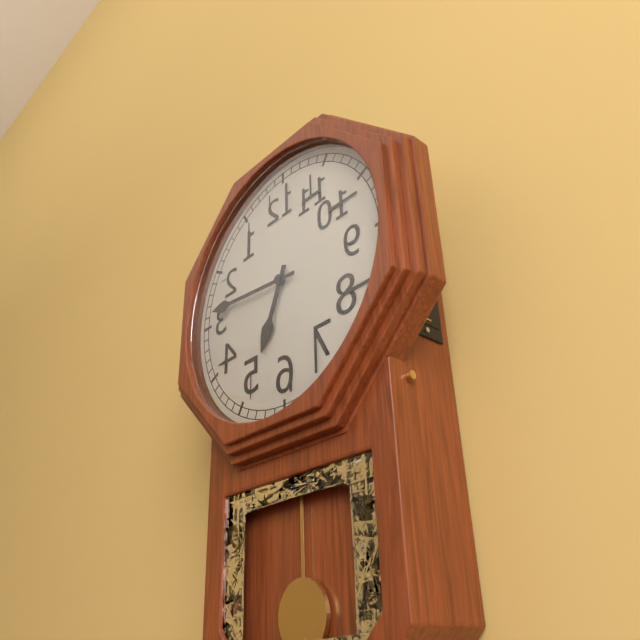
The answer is 6:46
